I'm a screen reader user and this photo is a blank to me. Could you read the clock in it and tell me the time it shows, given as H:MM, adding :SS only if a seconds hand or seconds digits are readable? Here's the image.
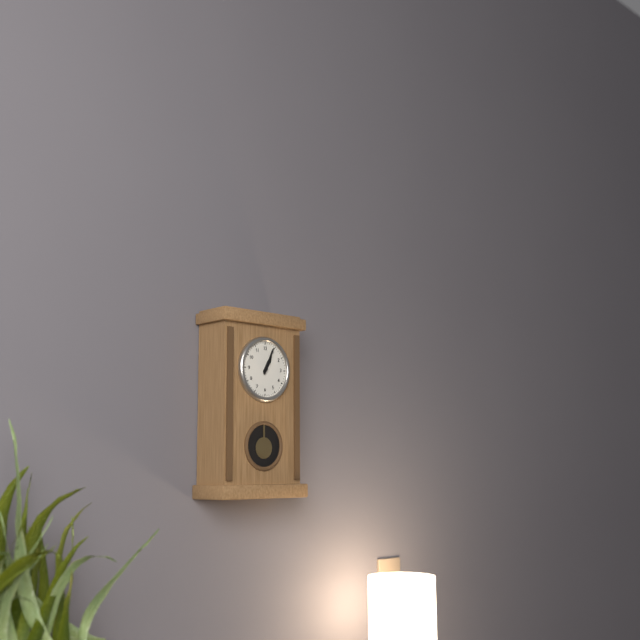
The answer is 1:04
